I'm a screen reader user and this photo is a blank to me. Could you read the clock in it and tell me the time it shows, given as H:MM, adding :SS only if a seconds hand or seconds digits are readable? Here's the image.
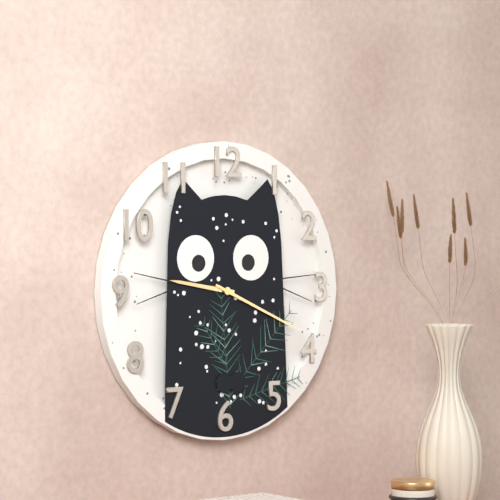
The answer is 9:19
